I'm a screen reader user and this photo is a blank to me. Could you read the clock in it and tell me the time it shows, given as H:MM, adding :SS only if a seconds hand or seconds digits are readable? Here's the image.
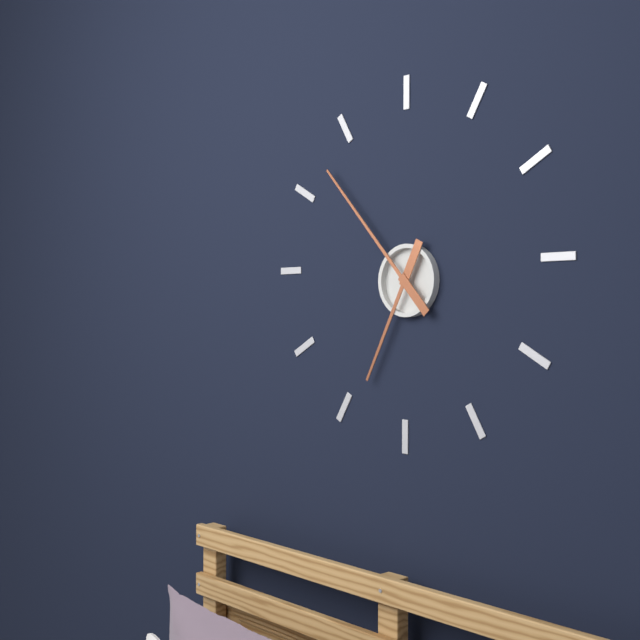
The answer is 6:53
